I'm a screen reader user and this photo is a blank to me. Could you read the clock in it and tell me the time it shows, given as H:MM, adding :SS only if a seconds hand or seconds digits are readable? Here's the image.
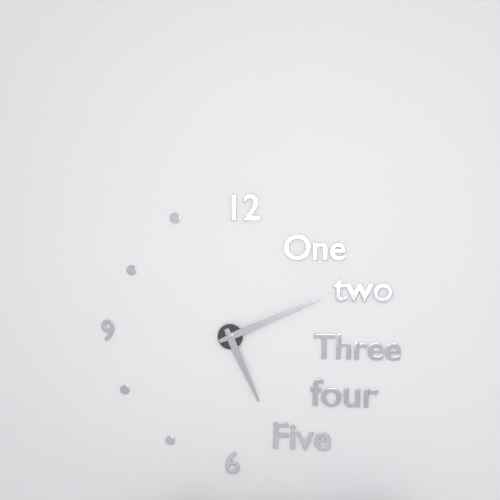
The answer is 5:11
